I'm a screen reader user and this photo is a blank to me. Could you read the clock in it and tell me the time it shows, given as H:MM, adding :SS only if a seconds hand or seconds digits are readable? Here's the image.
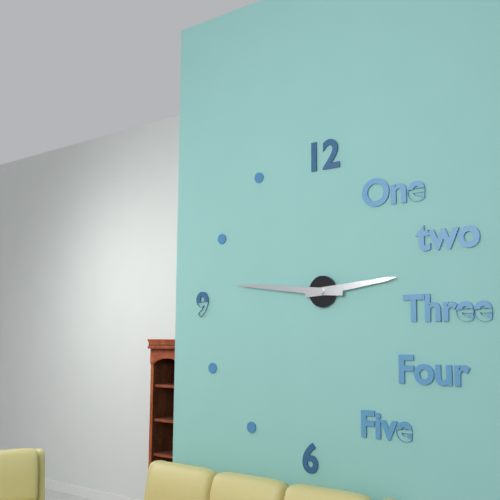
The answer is 2:46
